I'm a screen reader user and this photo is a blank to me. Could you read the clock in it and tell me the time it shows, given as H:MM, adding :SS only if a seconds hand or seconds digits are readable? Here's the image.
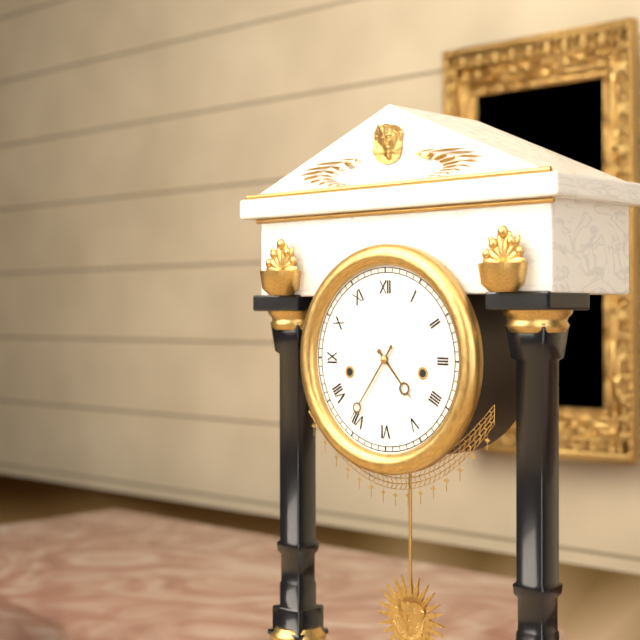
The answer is 4:36
